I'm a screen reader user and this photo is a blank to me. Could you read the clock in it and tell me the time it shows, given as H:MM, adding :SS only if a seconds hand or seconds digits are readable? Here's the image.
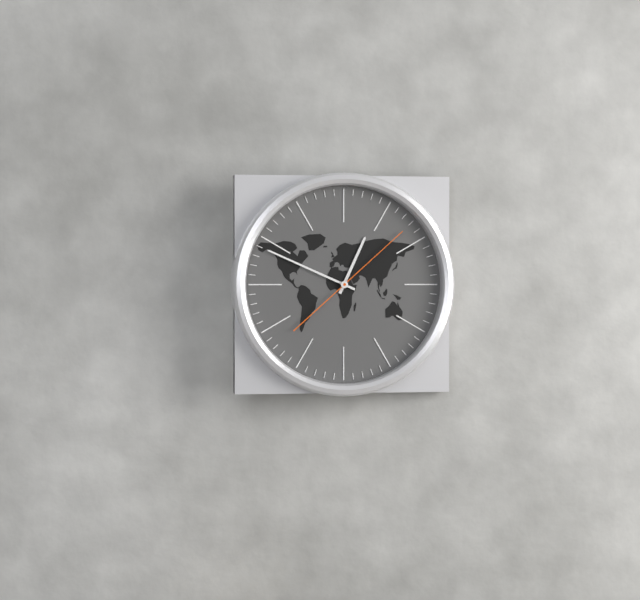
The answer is 12:49:08
